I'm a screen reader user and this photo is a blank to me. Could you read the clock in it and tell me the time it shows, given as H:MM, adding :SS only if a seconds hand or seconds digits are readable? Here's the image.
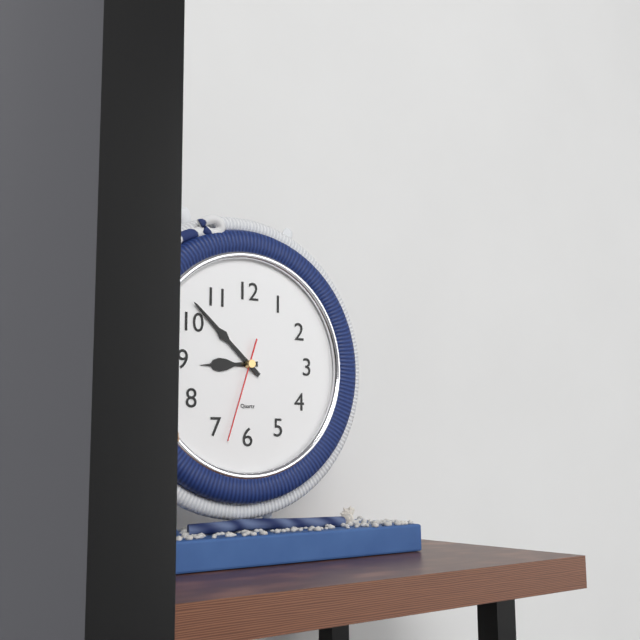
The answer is 8:52:33
